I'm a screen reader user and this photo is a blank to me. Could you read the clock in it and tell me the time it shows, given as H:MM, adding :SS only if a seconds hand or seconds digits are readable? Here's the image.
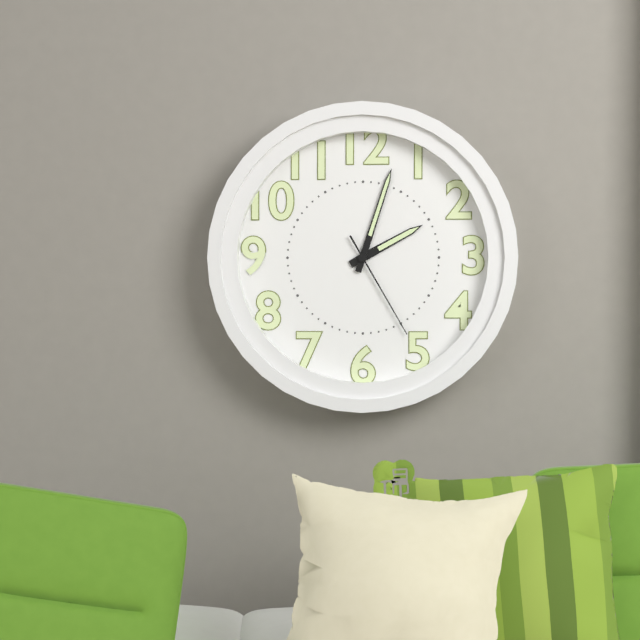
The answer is 2:03:25
